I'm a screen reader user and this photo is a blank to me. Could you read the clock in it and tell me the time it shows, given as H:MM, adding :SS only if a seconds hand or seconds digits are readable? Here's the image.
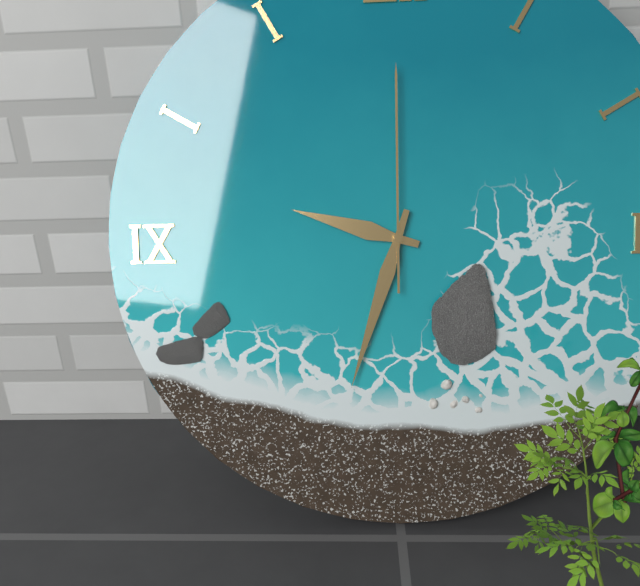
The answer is 9:33:00
